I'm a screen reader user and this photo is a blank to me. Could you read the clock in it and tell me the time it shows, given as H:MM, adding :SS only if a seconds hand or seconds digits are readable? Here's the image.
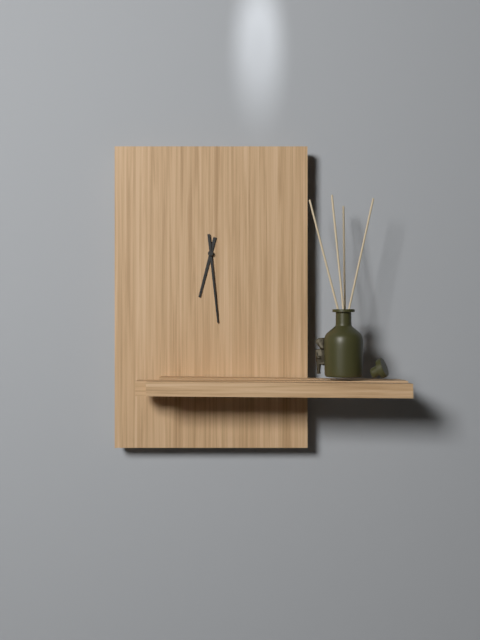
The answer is 6:29
